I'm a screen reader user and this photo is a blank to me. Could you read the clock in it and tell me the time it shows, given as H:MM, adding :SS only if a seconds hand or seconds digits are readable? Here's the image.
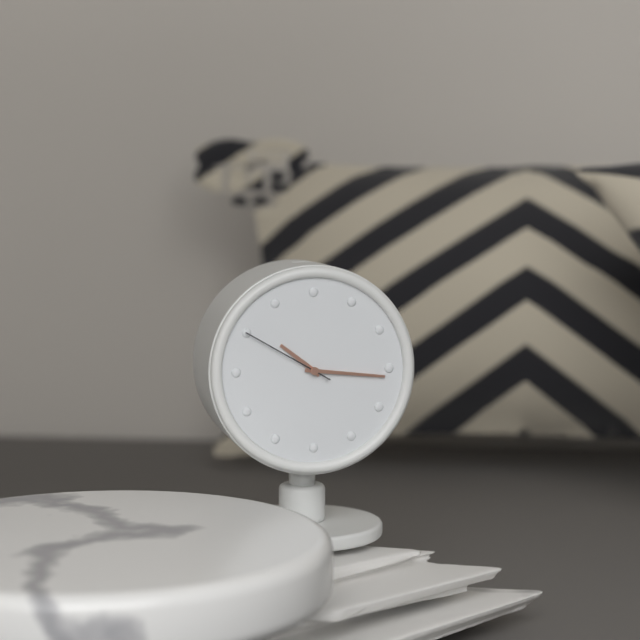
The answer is 10:16:50
